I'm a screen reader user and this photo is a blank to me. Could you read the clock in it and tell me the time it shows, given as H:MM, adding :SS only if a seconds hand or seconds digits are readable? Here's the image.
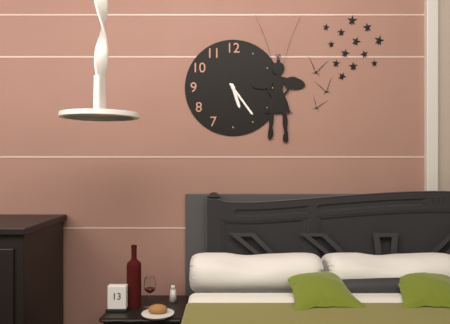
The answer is 5:24
